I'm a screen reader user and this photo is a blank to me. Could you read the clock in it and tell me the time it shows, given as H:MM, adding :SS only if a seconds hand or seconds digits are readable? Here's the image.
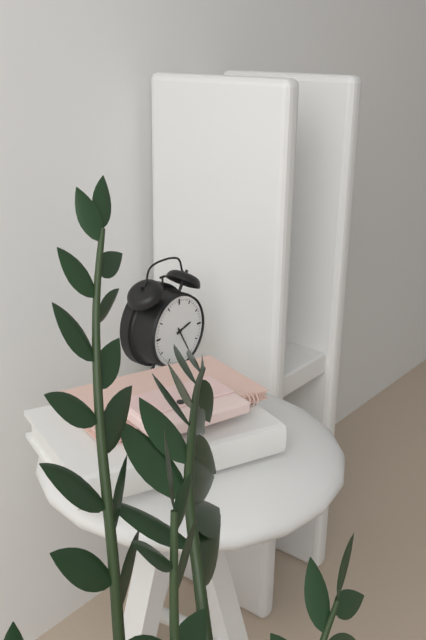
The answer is 2:25
